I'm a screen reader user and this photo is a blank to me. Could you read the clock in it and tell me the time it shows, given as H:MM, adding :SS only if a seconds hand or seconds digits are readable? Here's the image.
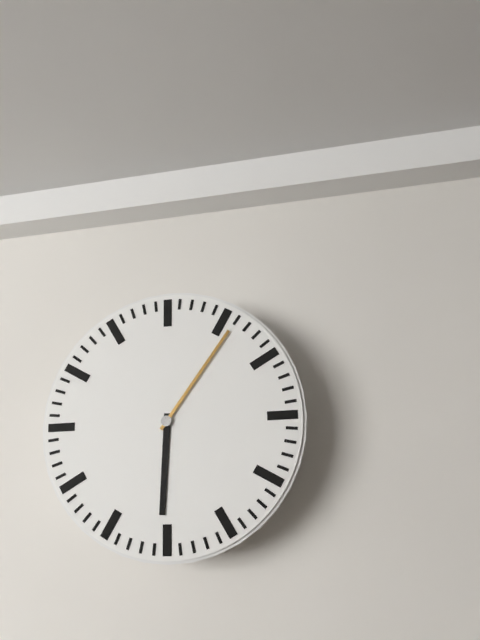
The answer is 6:06
